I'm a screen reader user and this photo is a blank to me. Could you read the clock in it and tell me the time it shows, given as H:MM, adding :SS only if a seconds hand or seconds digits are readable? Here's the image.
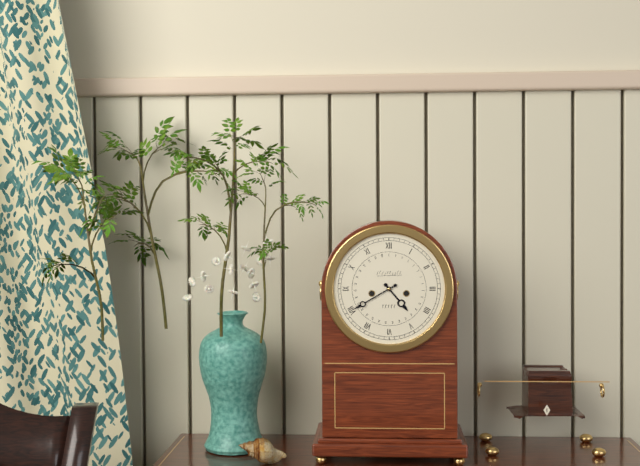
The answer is 4:40
